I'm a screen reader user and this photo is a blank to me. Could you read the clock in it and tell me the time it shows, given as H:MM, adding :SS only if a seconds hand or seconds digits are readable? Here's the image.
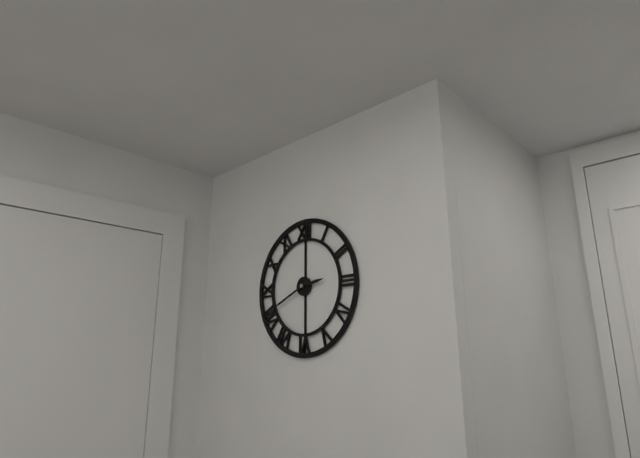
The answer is 2:41
